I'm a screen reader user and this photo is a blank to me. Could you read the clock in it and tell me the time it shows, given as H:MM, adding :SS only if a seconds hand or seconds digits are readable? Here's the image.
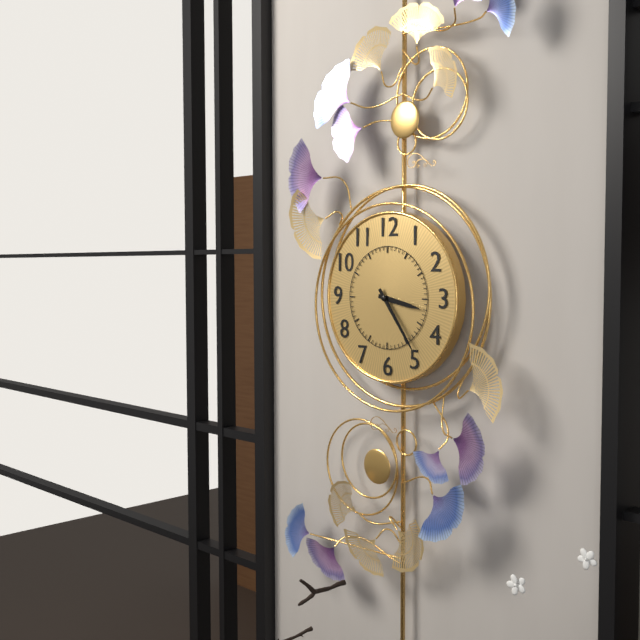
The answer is 3:24
